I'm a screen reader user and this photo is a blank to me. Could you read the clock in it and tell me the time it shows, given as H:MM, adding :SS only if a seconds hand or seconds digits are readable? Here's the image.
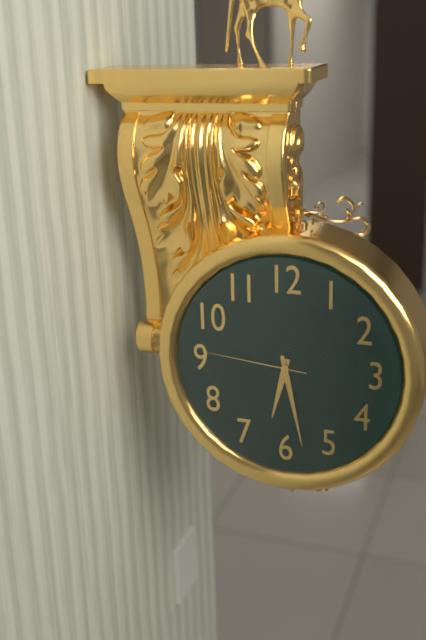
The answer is 6:28:46
